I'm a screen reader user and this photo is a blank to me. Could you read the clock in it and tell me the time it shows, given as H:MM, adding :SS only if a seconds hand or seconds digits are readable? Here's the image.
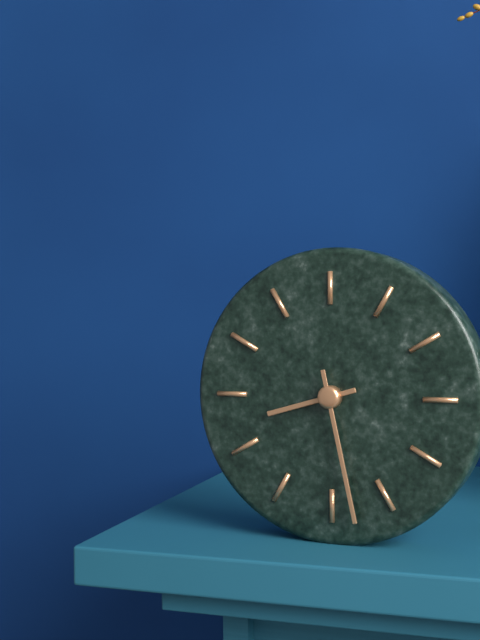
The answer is 8:28
